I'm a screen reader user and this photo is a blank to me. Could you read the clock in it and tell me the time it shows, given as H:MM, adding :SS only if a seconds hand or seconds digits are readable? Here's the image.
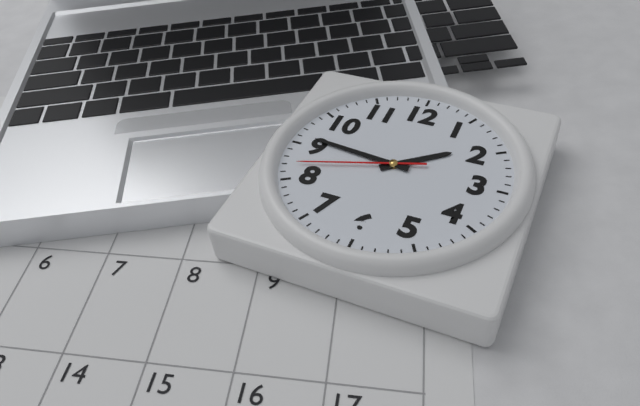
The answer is 1:46:42
